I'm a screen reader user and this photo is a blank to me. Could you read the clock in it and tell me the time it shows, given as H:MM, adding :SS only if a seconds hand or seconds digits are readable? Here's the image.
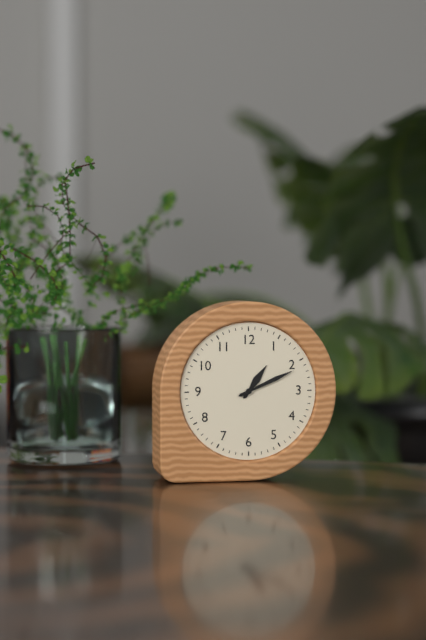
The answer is 1:11
